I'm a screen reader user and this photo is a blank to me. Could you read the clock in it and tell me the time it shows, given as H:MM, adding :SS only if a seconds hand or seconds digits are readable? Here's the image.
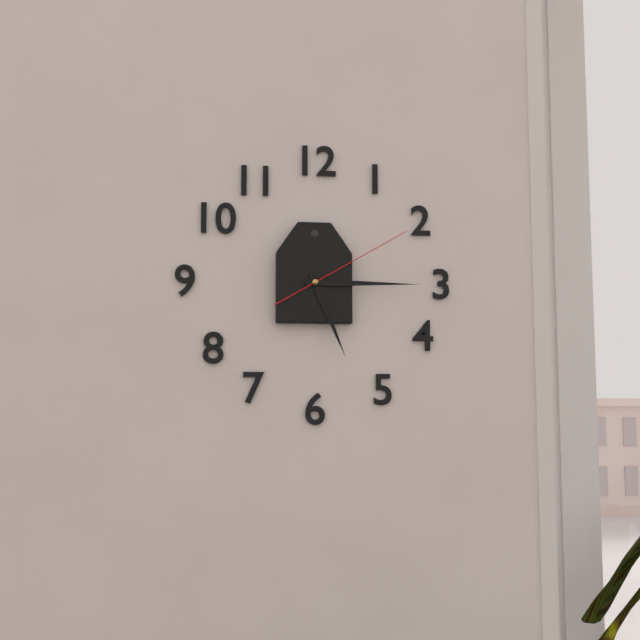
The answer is 5:15:10
